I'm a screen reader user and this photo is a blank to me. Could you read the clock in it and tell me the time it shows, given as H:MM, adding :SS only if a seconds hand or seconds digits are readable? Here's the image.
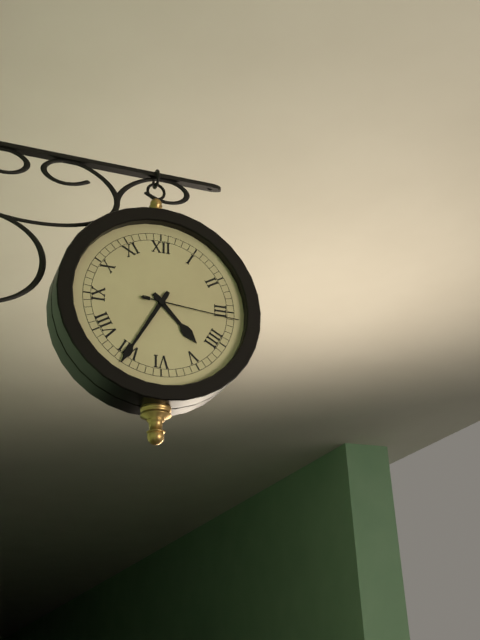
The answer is 4:35:16
